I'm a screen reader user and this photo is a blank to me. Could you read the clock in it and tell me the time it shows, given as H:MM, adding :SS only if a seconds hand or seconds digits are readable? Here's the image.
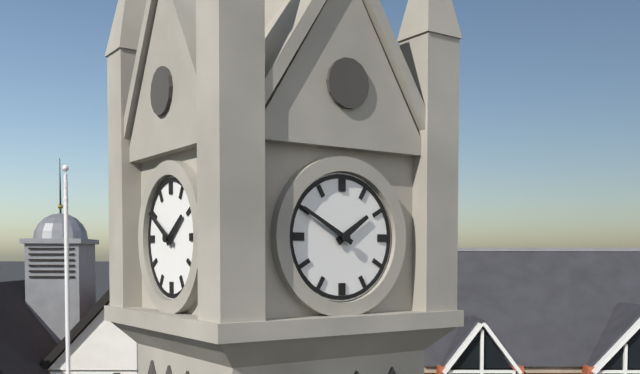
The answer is 1:50
